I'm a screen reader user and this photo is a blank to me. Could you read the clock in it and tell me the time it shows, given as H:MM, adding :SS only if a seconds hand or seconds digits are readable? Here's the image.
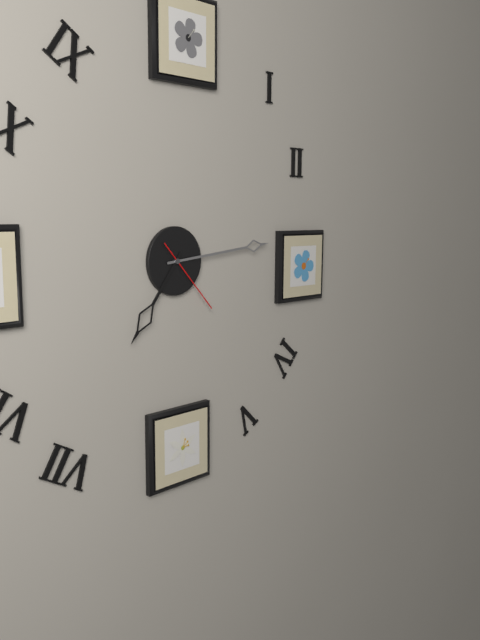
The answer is 7:14:23
